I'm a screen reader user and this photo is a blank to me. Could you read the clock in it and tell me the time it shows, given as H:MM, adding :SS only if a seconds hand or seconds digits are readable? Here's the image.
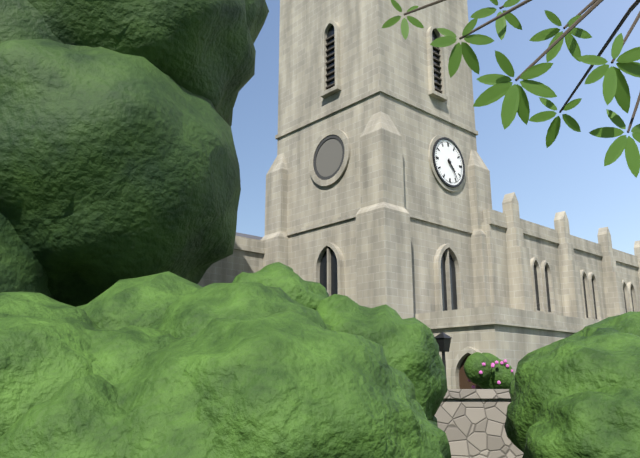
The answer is 4:24
